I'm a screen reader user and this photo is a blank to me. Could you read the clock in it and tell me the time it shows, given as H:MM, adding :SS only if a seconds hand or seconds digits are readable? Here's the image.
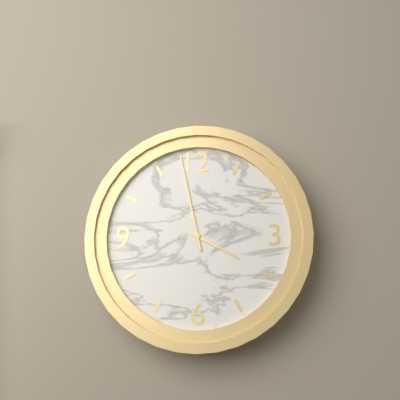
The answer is 3:58
